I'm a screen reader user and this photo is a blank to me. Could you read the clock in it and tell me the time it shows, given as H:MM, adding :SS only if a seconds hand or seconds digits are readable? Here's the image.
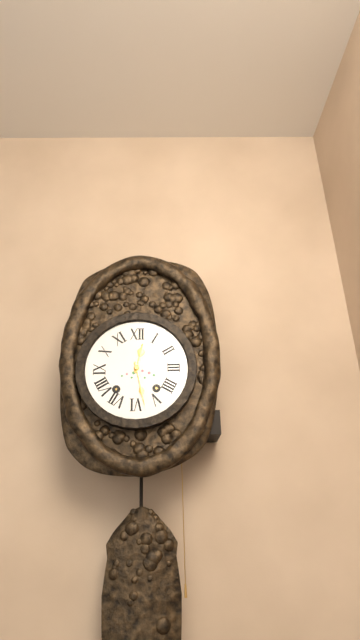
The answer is 12:28
